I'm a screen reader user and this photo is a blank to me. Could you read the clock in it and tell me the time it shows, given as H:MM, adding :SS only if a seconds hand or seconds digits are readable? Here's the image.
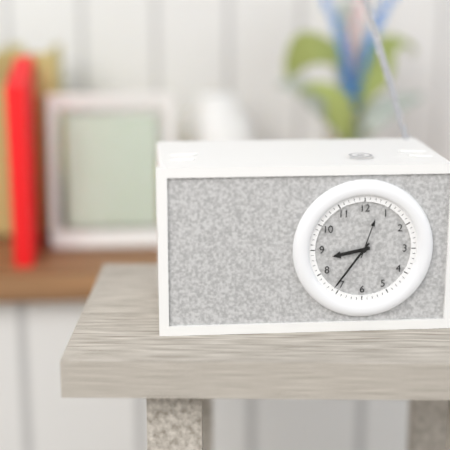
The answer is 8:36
